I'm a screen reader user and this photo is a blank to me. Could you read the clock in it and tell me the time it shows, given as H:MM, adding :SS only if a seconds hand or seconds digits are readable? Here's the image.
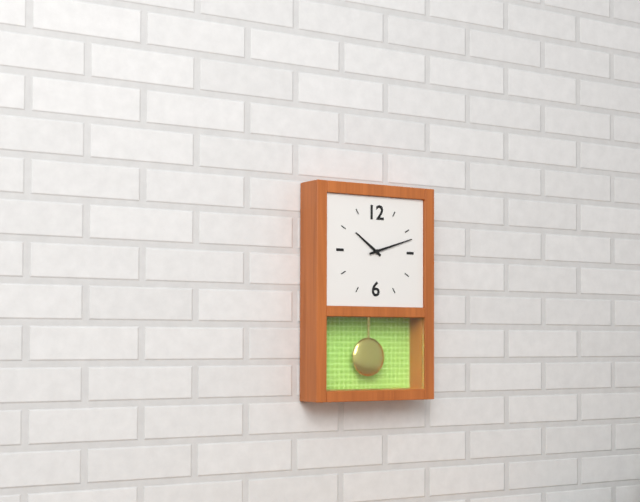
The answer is 10:12
